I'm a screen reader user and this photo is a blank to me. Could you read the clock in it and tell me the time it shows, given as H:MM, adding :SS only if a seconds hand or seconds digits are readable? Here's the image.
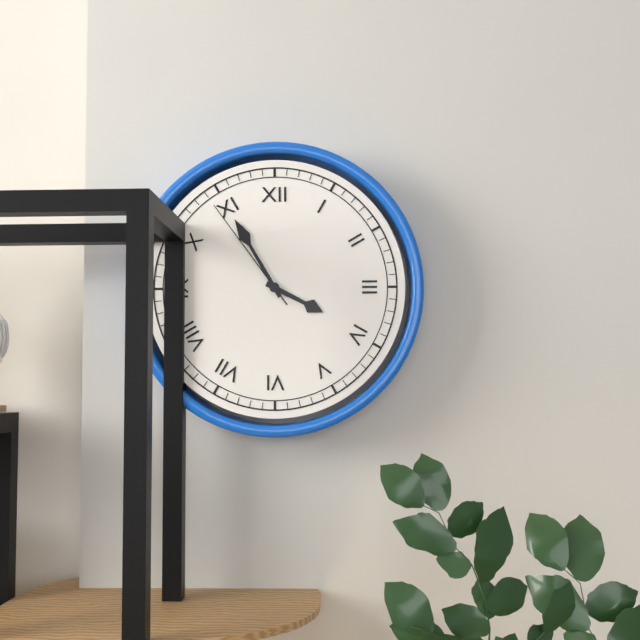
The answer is 3:55:54
